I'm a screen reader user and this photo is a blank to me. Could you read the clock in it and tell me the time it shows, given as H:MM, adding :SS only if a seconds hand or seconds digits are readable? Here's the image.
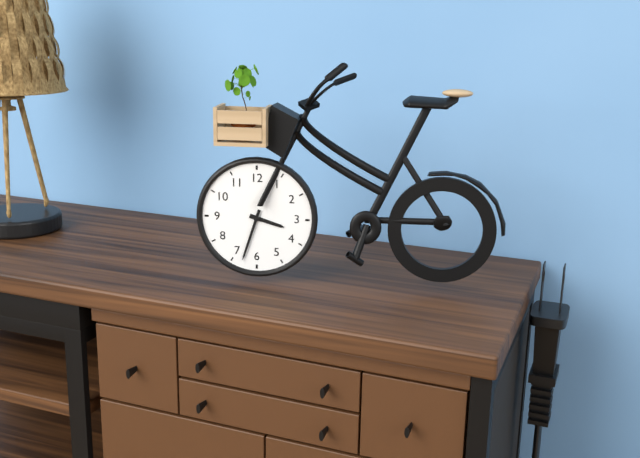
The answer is 3:33
